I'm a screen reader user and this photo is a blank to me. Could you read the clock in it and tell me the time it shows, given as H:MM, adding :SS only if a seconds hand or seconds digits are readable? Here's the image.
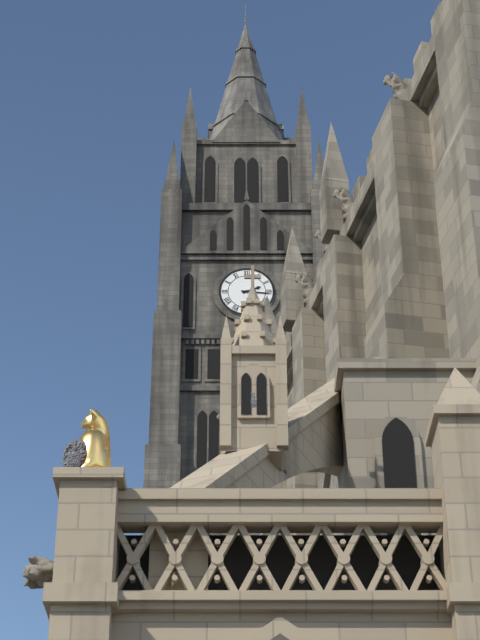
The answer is 2:16
